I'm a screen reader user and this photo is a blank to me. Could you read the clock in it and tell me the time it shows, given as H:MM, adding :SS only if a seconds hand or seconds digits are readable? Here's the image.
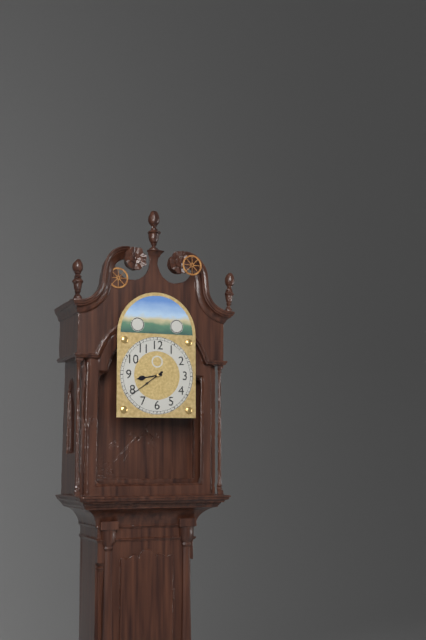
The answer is 8:39
